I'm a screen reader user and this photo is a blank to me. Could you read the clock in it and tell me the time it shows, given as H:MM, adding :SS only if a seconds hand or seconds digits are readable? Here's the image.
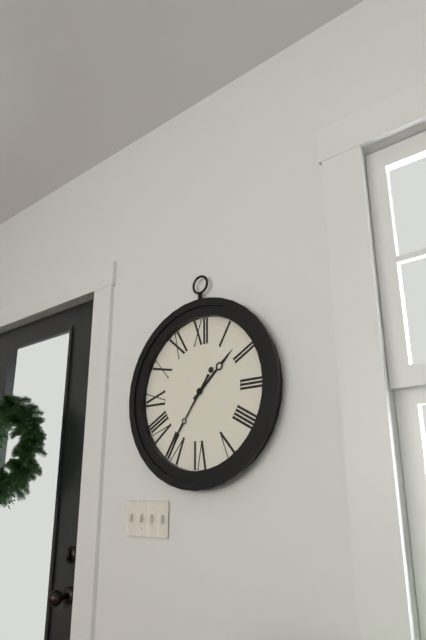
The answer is 1:36
